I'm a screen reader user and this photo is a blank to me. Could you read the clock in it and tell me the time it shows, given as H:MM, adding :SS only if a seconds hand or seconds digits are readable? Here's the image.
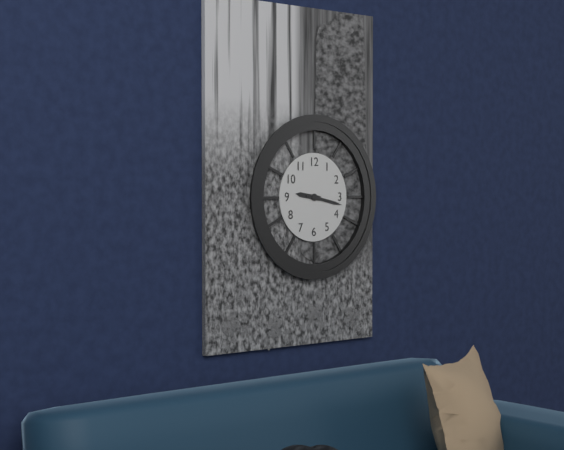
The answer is 9:17
